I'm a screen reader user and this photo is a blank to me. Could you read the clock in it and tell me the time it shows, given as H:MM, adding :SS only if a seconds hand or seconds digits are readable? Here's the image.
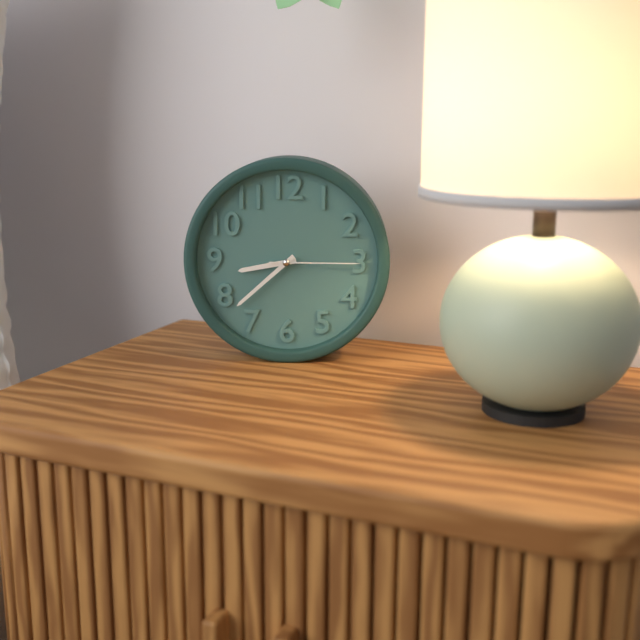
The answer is 8:38:15
